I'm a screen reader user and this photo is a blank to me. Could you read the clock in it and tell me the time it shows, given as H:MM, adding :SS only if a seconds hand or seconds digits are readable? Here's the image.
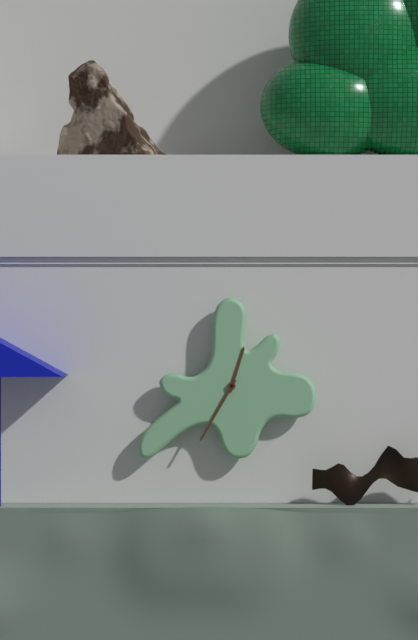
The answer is 12:35
